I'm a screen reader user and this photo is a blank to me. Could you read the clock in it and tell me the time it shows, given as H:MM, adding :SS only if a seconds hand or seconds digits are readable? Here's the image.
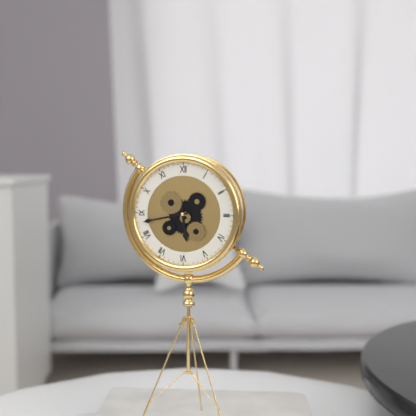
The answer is 5:43
